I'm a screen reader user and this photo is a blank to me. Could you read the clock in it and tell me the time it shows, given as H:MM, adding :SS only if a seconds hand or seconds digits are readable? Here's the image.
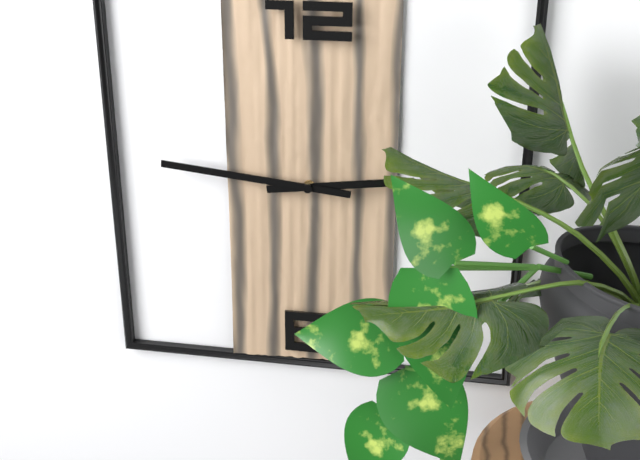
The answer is 2:46
